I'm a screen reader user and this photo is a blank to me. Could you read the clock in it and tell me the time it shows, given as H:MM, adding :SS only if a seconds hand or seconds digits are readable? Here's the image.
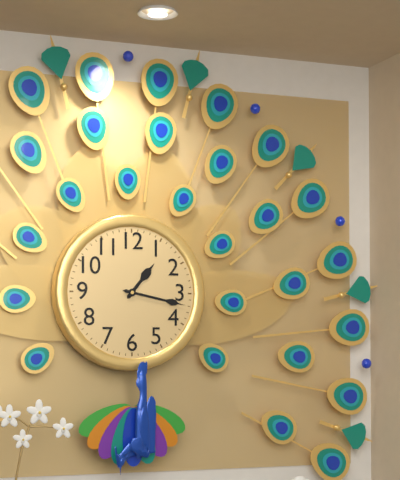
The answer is 1:17
